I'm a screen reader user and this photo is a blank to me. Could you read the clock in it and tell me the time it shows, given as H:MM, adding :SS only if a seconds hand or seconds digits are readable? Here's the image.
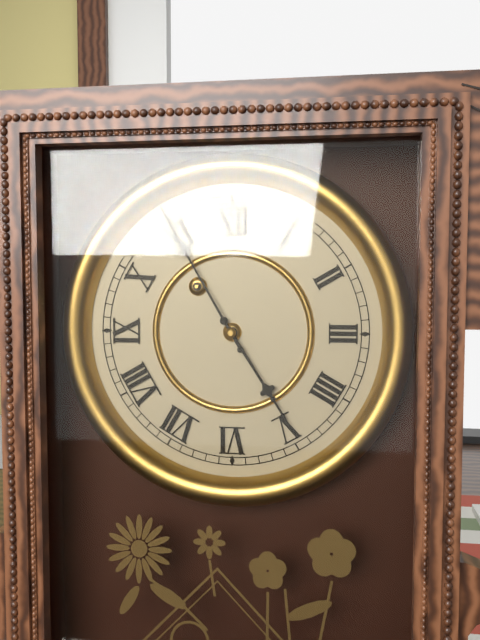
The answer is 4:55
